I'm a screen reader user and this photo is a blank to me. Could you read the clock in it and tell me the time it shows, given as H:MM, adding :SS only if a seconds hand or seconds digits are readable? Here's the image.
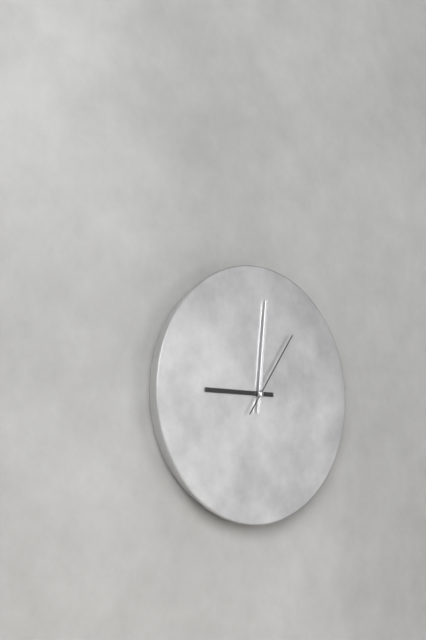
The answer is 9:01:06
